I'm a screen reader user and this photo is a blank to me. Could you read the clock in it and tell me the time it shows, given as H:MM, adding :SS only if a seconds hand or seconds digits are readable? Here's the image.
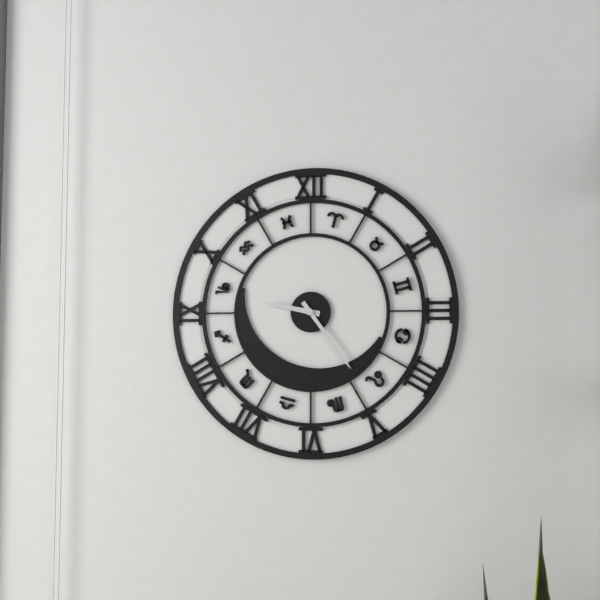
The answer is 9:24
